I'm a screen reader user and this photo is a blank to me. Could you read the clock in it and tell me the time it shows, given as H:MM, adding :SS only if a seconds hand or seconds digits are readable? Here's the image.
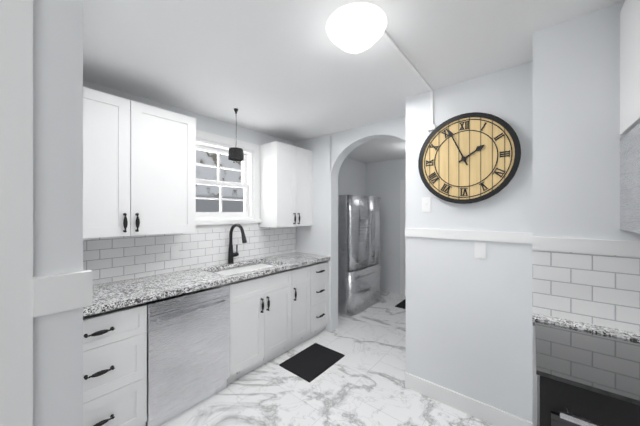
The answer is 1:56
